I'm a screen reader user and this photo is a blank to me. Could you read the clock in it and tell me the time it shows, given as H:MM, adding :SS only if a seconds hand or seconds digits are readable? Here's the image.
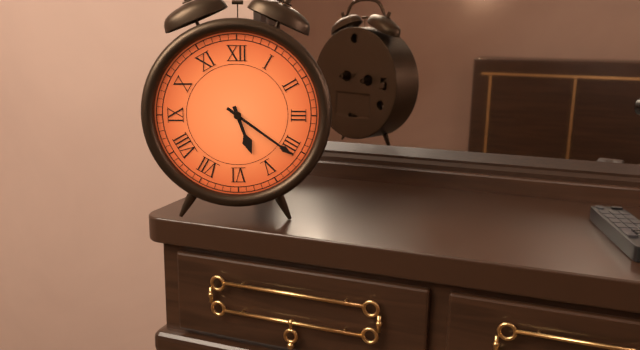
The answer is 5:21
